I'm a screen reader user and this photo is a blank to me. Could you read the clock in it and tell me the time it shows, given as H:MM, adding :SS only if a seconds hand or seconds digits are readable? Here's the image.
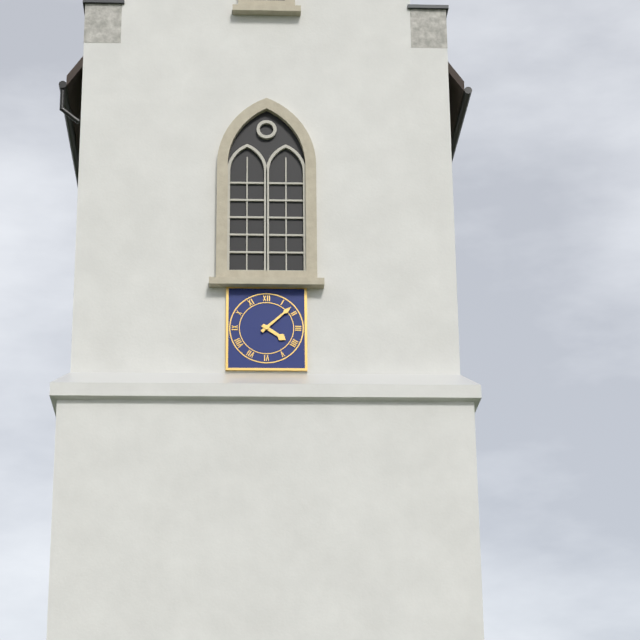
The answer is 4:08
